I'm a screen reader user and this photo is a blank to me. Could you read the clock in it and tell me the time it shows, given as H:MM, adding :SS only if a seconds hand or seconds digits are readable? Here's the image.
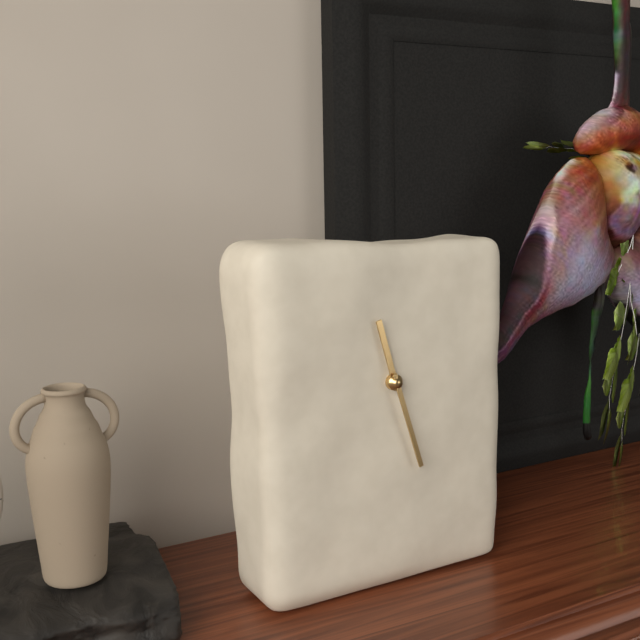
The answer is 11:27
